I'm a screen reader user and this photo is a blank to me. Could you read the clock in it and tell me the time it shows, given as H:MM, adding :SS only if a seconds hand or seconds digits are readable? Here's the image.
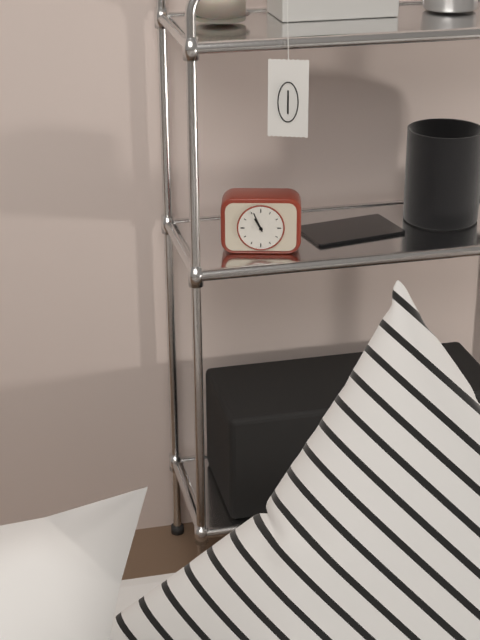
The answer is 10:56
